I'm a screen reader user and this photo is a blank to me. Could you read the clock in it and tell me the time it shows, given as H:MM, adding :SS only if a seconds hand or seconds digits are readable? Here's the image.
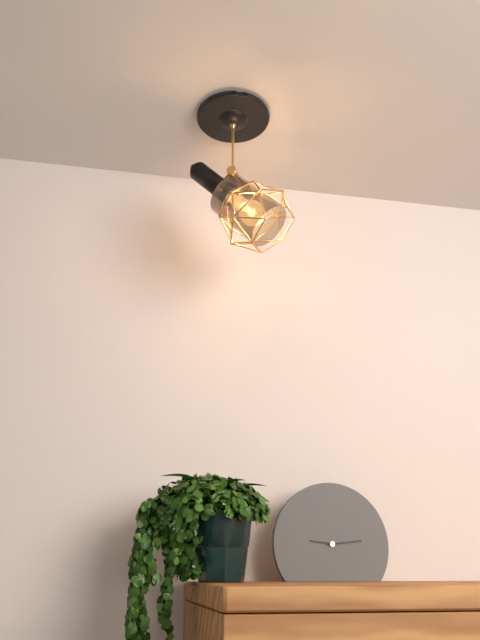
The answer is 9:14
